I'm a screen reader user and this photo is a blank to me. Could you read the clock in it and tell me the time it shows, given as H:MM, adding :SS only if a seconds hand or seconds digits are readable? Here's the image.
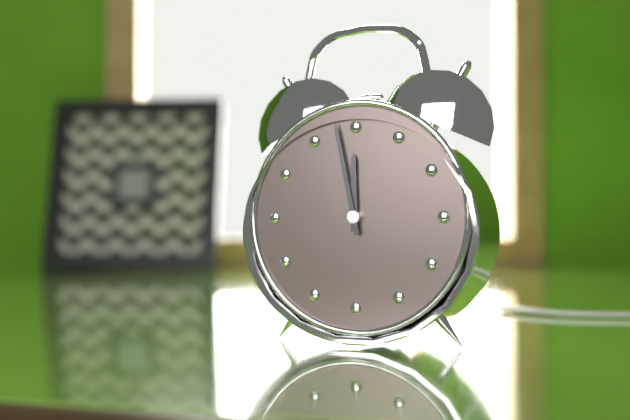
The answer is 11:58
